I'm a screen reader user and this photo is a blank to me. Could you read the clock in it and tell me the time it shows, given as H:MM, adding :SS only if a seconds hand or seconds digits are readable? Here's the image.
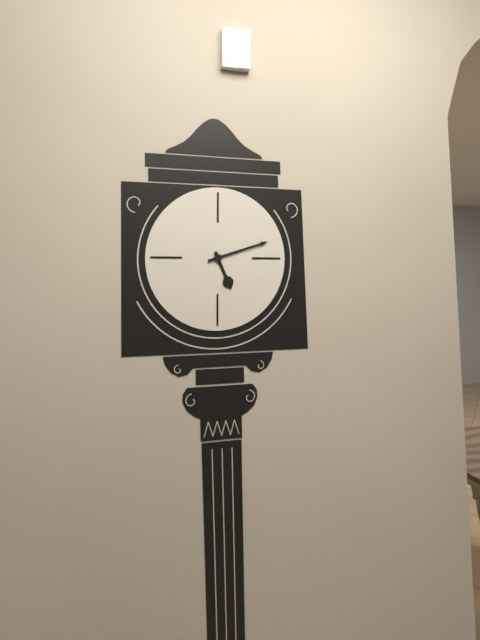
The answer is 5:12
